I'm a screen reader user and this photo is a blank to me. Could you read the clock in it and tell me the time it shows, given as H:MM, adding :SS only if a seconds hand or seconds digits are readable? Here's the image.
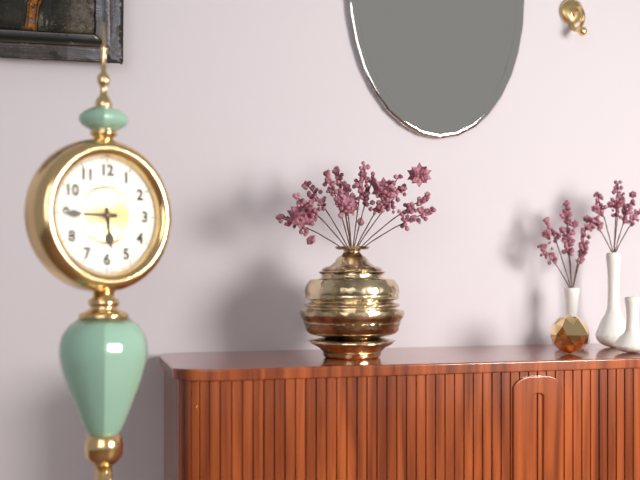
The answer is 5:45
